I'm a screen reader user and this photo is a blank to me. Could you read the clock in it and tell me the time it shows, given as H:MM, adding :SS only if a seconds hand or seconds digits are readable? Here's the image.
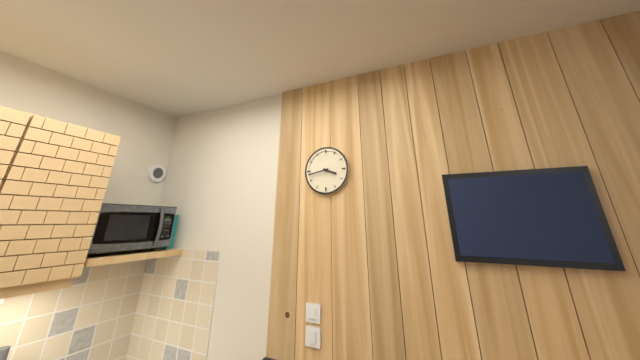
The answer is 3:43
